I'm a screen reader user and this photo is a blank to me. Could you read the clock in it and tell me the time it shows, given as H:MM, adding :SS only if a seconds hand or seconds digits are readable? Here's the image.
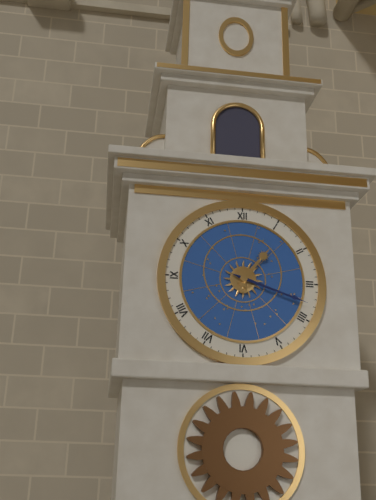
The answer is 1:18
